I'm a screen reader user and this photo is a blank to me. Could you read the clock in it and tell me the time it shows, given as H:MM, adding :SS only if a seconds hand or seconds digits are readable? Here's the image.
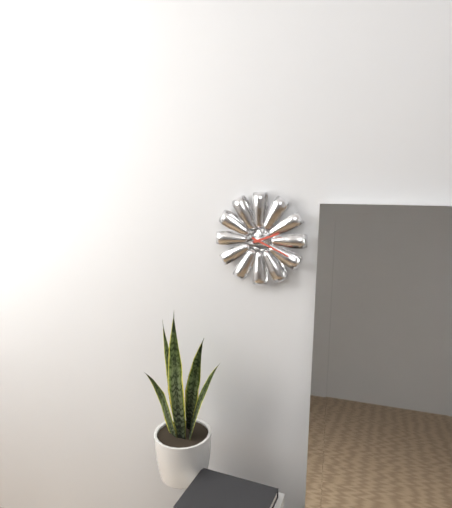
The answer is 2:19
